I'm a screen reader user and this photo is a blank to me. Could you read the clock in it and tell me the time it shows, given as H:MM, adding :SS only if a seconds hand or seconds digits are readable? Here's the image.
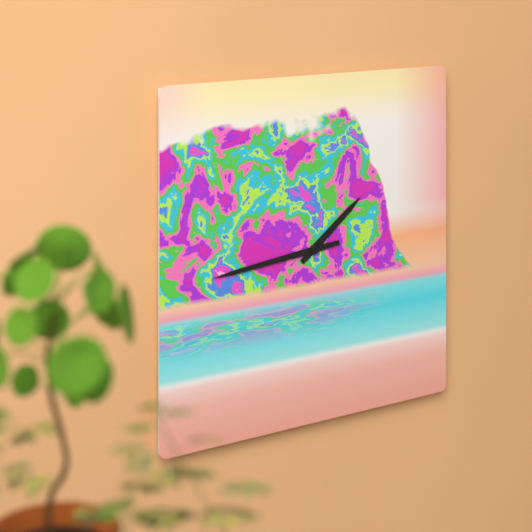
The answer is 1:44
